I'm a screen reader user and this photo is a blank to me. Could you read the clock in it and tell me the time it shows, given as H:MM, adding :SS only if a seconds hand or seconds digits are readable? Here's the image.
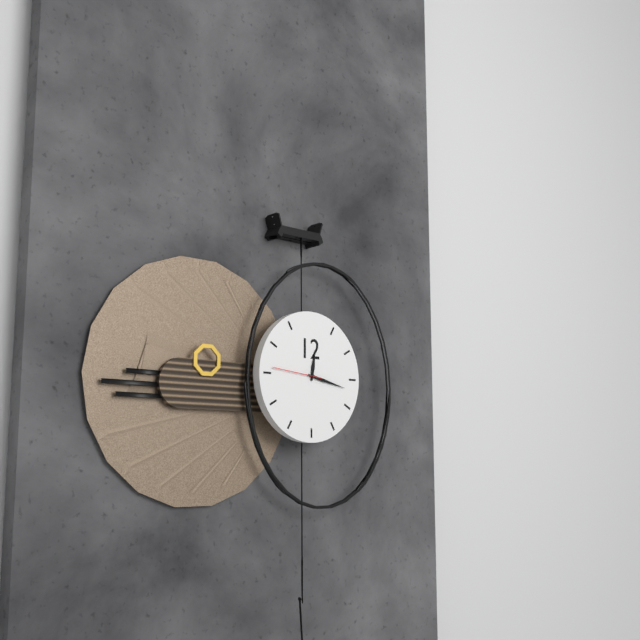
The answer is 12:17:46
